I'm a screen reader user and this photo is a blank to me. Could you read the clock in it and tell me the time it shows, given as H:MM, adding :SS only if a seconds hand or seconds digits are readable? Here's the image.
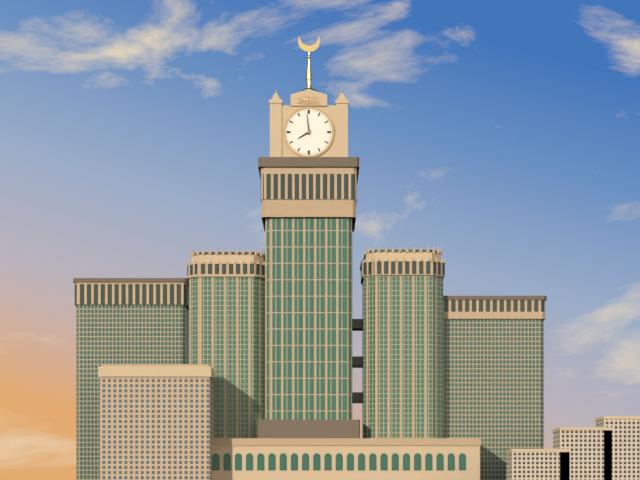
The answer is 7:59
